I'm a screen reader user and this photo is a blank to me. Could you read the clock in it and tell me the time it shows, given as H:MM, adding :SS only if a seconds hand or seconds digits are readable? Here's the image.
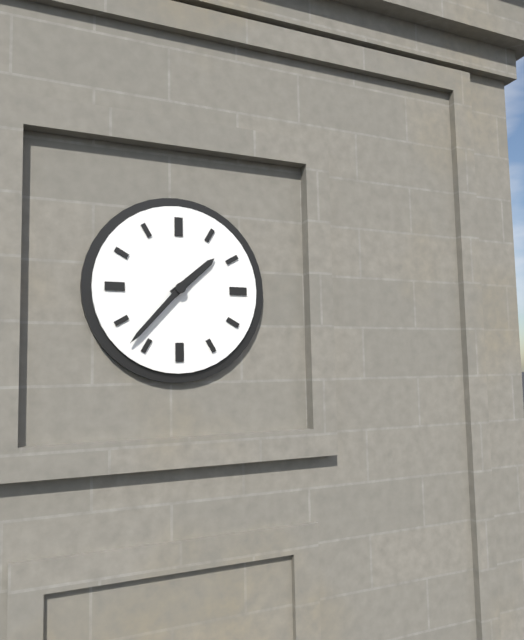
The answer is 1:37
